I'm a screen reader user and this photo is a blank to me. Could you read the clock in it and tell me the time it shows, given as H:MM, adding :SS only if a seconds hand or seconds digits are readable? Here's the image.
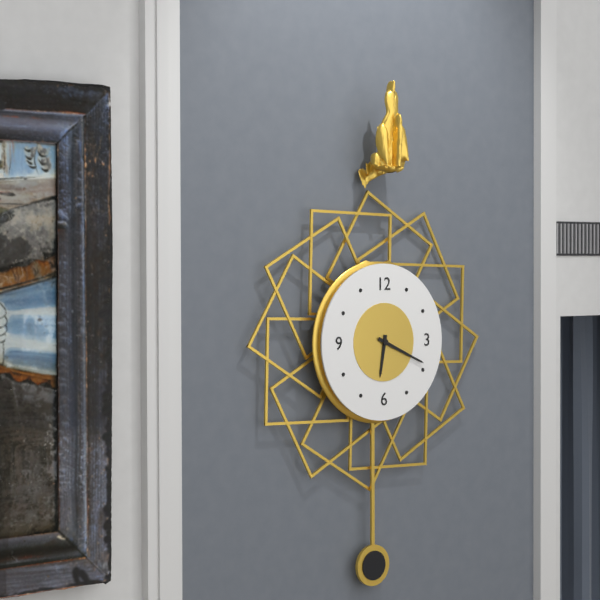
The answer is 6:19
